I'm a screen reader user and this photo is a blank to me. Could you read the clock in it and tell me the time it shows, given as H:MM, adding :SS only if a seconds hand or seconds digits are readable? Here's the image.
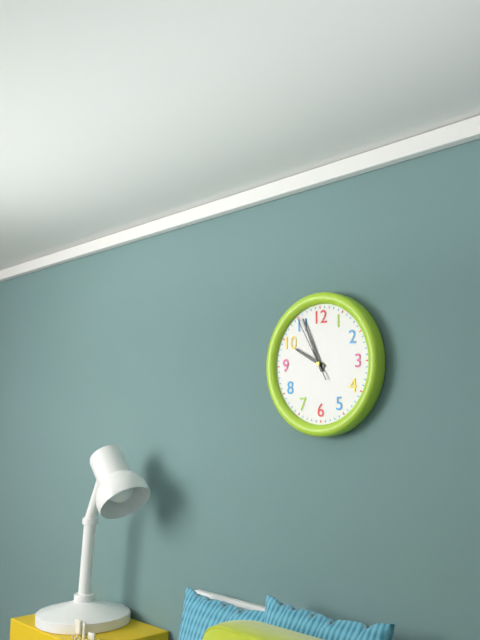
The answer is 9:56:55
